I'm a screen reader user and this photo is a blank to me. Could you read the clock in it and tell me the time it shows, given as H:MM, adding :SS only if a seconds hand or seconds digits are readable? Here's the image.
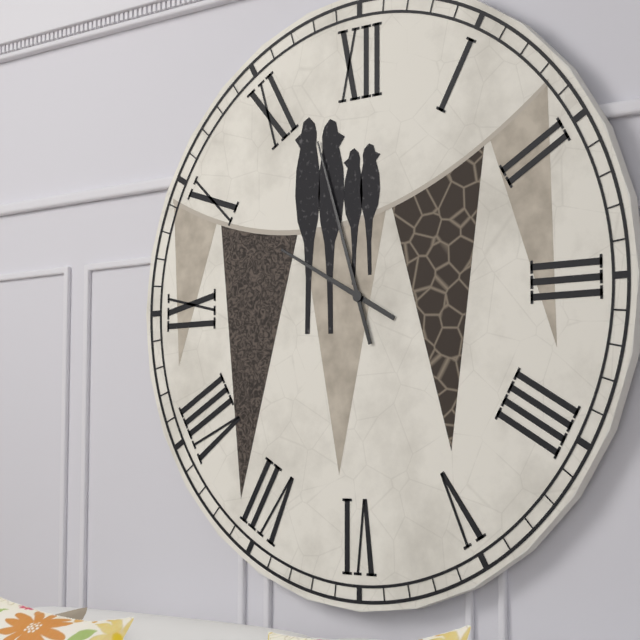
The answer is 9:57
